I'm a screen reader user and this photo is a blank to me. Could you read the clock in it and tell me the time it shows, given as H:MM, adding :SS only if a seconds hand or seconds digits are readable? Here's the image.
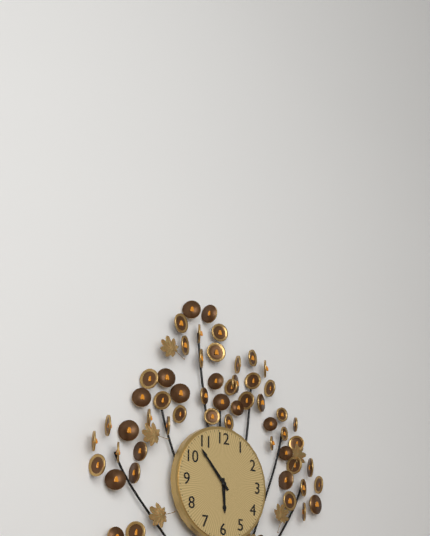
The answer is 5:53
